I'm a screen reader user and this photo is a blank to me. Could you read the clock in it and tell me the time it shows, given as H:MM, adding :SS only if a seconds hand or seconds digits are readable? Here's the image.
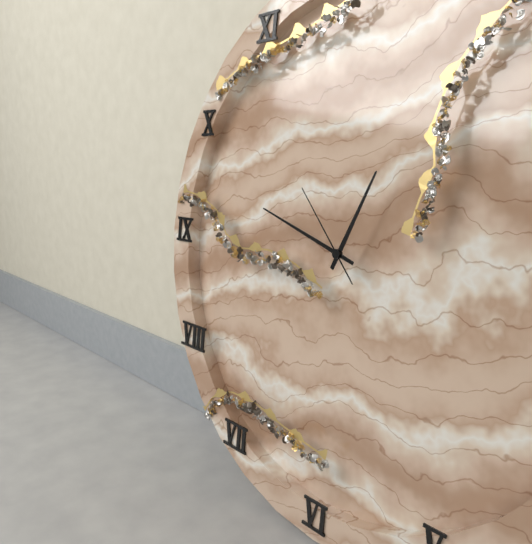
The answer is 12:48:53
